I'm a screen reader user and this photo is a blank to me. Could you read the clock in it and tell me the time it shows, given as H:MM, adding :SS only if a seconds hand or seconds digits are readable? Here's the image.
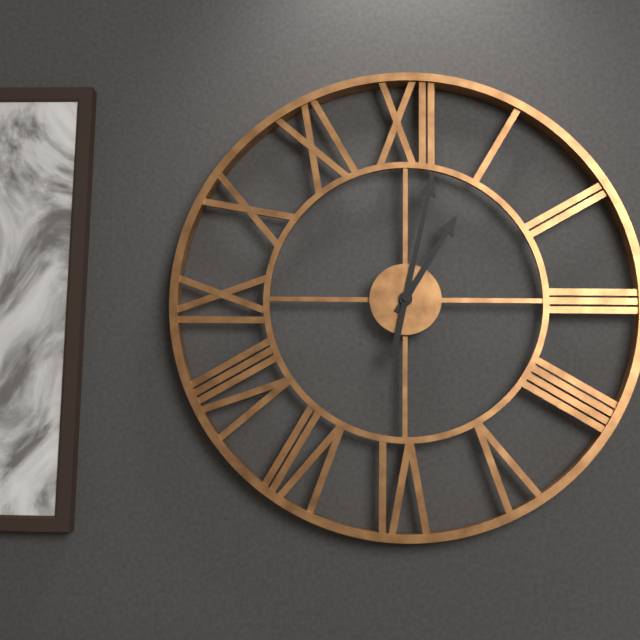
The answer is 1:02
